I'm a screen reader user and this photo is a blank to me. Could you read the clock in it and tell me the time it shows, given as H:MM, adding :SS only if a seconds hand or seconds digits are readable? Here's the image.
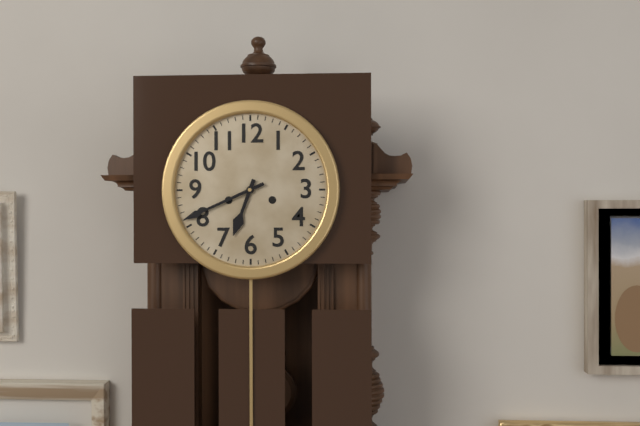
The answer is 6:41
